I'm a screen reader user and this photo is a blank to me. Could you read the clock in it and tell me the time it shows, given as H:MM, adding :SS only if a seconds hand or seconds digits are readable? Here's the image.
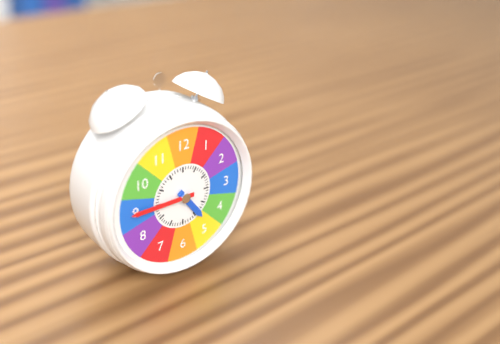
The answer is 4:45
